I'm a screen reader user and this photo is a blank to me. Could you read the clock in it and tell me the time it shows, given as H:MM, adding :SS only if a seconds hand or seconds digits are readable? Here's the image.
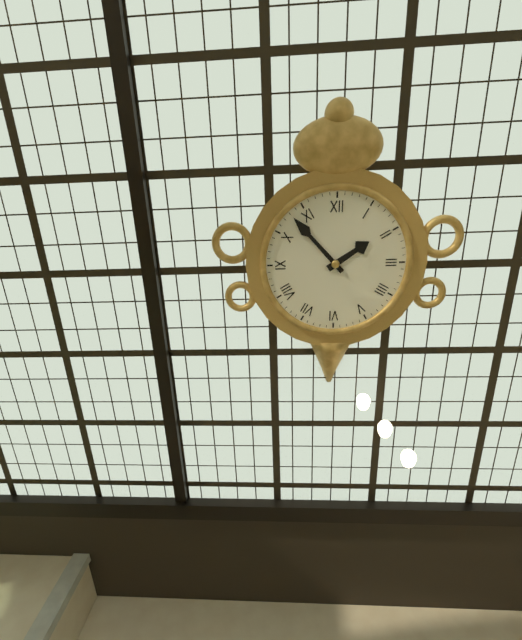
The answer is 1:53
